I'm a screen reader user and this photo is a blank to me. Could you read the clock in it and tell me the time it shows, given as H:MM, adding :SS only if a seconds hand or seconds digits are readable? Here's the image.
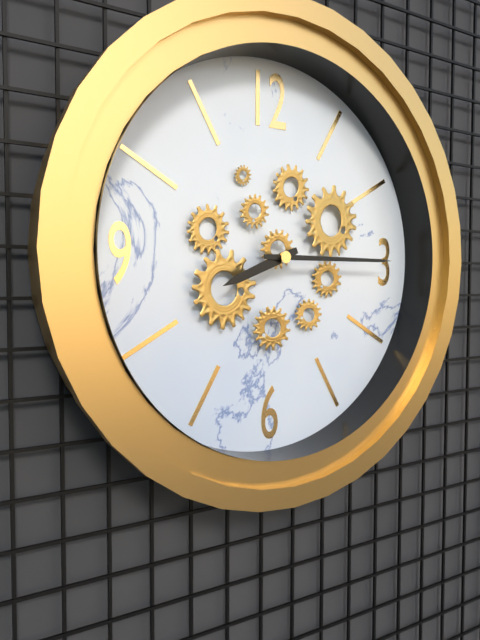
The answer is 8:15
